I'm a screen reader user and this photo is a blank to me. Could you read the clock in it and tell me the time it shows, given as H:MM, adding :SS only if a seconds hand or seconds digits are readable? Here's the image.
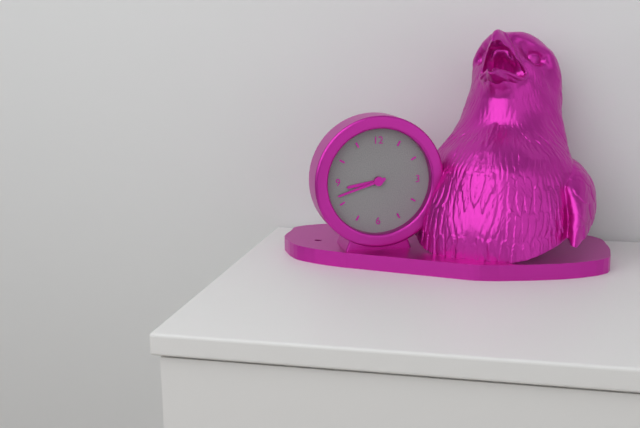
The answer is 8:42
